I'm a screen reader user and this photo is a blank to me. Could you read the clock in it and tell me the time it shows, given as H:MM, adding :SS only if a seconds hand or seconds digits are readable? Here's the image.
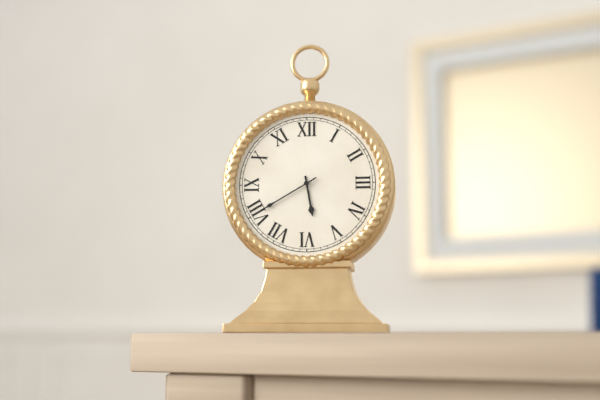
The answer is 5:40
